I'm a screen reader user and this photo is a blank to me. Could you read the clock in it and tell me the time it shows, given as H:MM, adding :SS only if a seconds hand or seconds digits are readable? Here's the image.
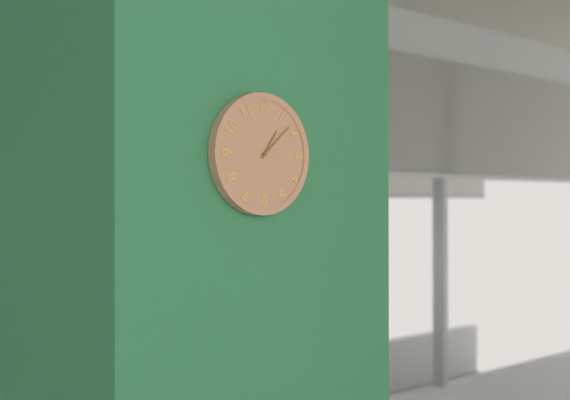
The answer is 1:08
